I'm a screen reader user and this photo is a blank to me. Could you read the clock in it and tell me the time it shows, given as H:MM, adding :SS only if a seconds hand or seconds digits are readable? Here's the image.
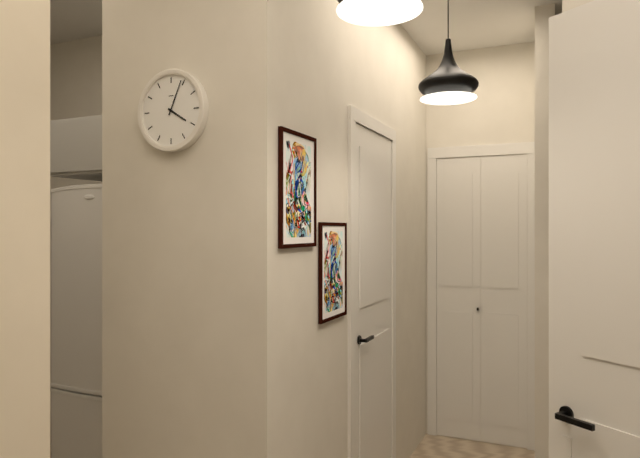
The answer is 4:04
